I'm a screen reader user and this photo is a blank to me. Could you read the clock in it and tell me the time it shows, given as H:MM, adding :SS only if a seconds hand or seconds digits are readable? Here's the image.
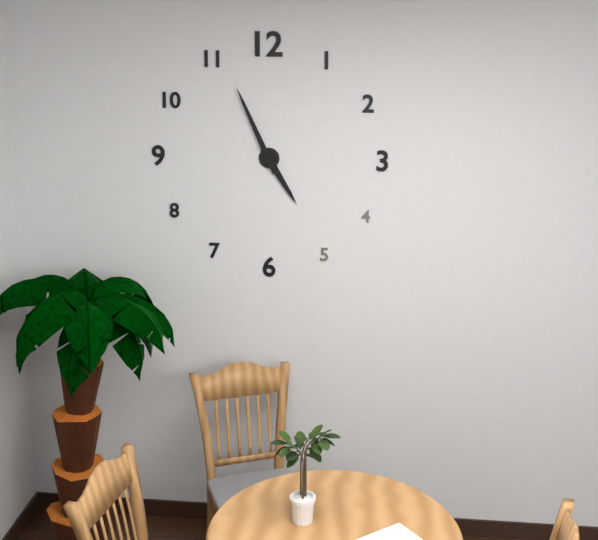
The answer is 4:56
